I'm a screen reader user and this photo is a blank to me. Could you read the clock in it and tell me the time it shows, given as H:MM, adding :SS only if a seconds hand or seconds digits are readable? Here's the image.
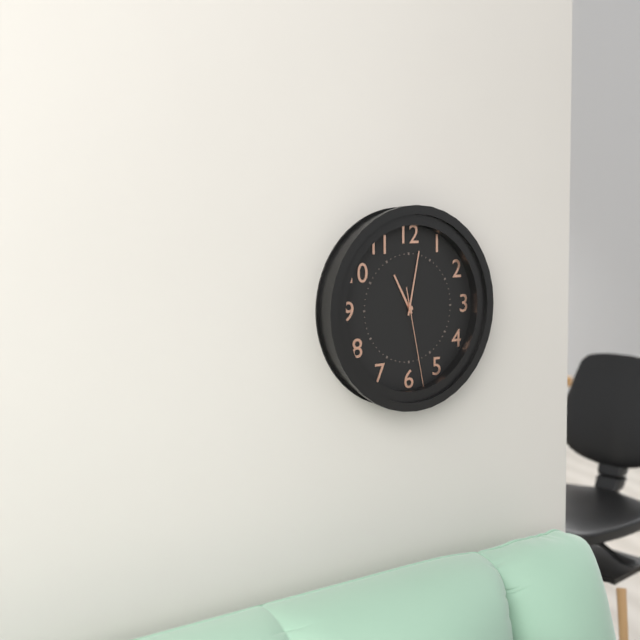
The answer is 11:02:28
